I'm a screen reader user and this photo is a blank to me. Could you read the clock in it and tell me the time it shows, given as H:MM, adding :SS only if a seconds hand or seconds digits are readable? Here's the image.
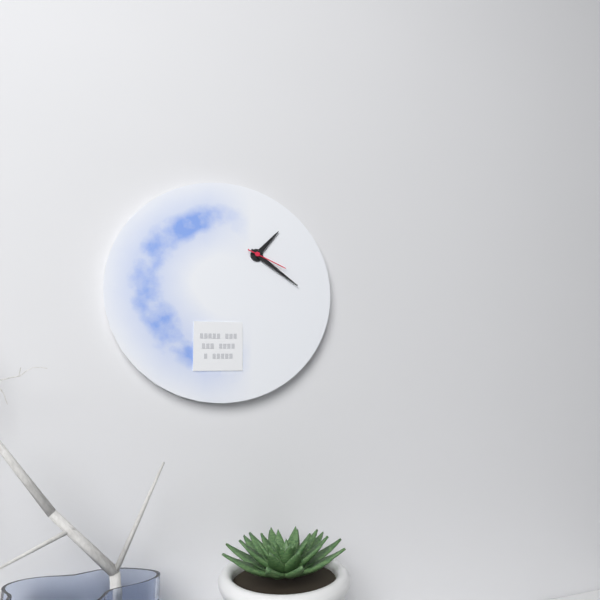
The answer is 1:21
